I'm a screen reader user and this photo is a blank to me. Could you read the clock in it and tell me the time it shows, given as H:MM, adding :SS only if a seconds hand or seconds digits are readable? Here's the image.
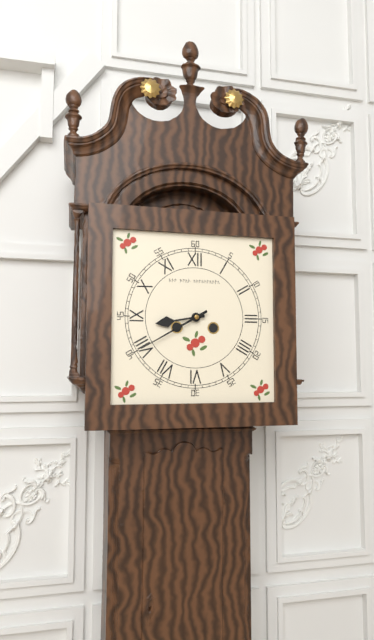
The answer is 8:40
